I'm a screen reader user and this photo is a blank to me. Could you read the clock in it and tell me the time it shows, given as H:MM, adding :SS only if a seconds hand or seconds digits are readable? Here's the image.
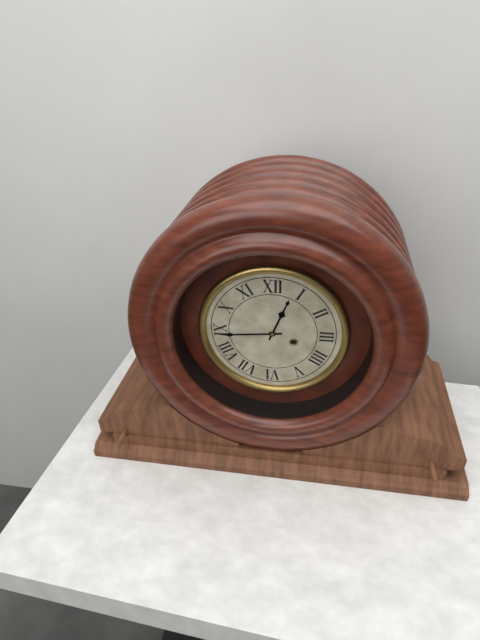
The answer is 12:44
